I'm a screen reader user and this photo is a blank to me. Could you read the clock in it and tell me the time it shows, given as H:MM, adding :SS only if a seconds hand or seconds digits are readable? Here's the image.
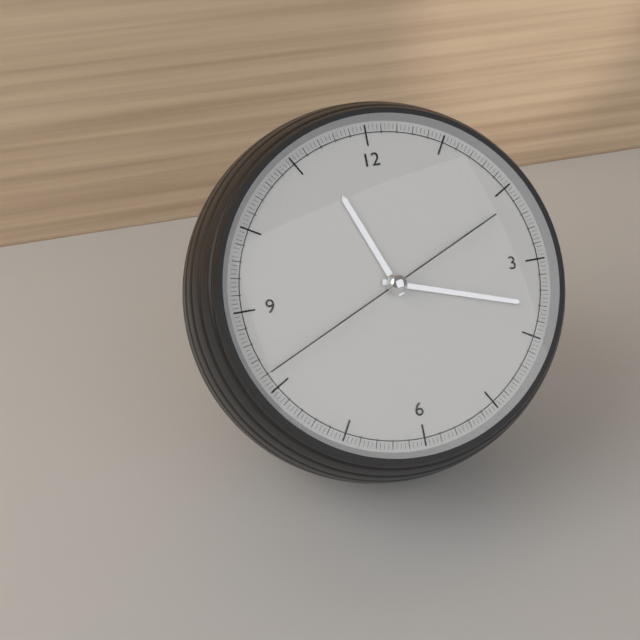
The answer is 11:18:41
